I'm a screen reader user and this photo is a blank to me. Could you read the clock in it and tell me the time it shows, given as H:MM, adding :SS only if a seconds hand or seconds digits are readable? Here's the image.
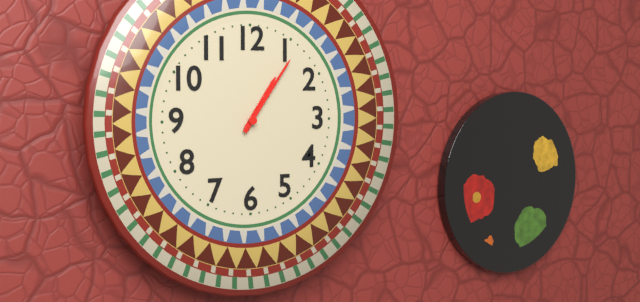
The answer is 1:06
